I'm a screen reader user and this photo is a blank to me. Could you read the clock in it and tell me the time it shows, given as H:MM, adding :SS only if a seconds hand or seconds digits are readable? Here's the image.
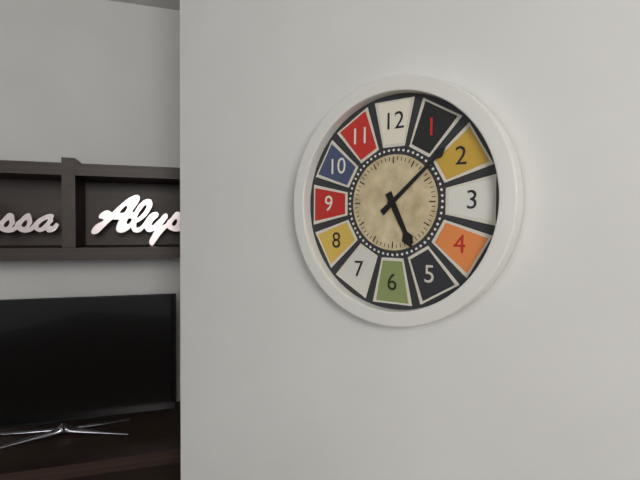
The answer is 5:08
